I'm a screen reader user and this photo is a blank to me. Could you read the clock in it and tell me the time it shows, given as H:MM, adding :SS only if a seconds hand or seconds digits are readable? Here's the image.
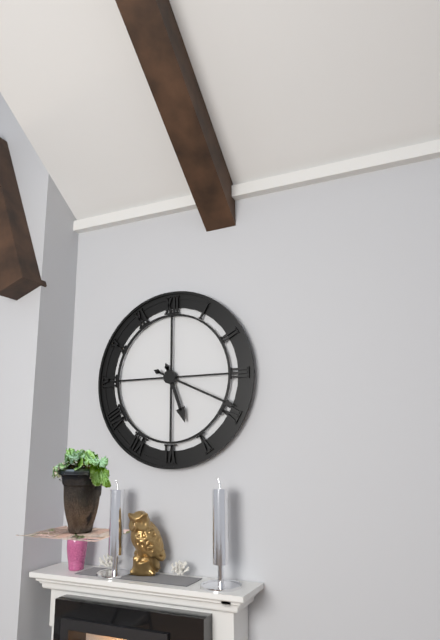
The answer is 5:19
